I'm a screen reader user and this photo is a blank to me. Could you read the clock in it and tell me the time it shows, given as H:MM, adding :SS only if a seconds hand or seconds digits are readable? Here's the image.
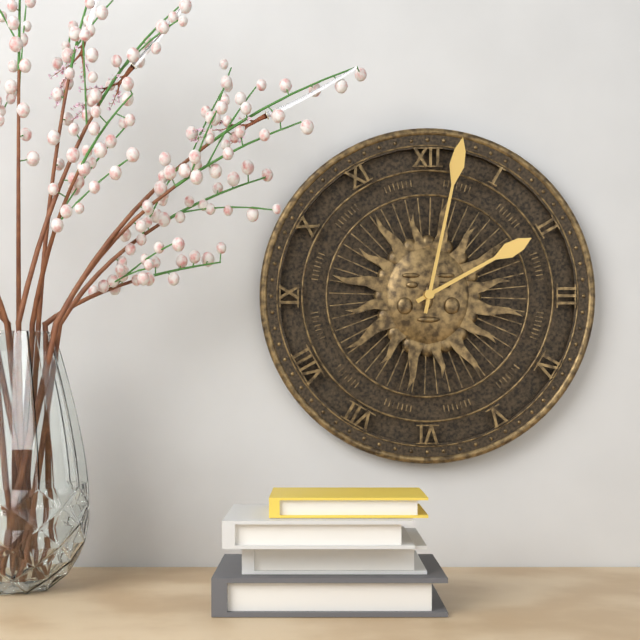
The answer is 2:02
